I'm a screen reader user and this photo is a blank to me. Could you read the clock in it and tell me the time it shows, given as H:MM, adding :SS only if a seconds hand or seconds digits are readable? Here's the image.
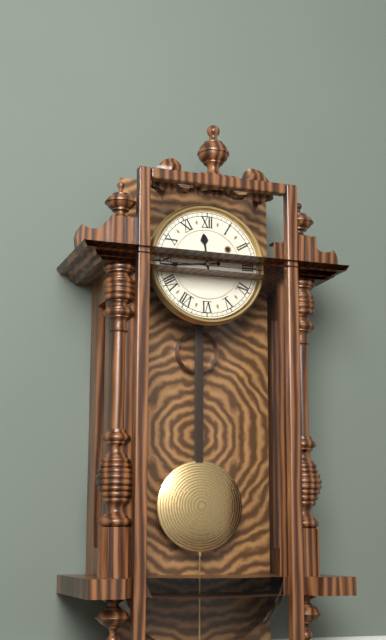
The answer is 11:44
